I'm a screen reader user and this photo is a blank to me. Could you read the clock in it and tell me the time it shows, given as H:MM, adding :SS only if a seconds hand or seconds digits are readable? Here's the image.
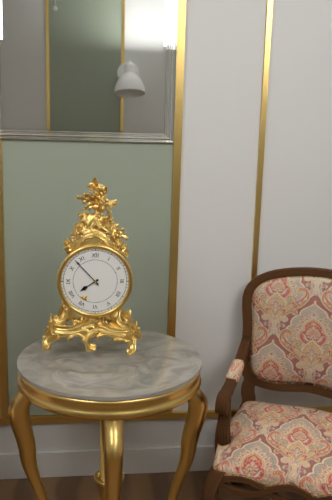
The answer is 7:53
